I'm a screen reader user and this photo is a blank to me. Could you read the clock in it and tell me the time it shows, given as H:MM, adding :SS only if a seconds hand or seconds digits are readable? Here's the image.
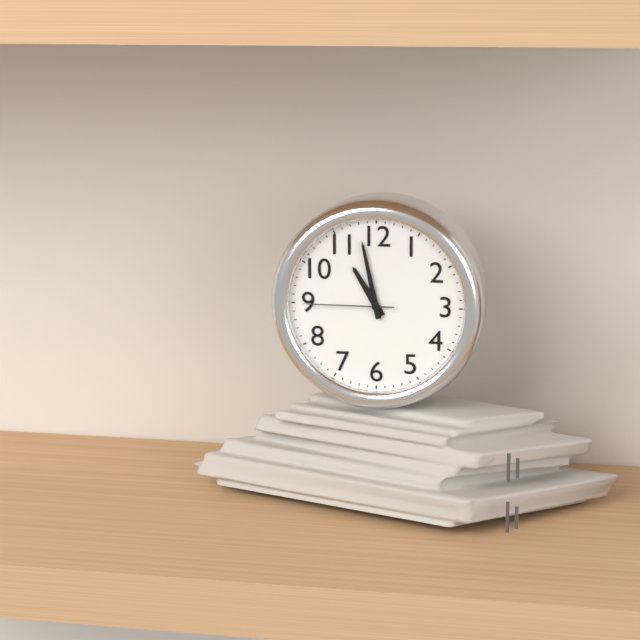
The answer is 10:58:45
